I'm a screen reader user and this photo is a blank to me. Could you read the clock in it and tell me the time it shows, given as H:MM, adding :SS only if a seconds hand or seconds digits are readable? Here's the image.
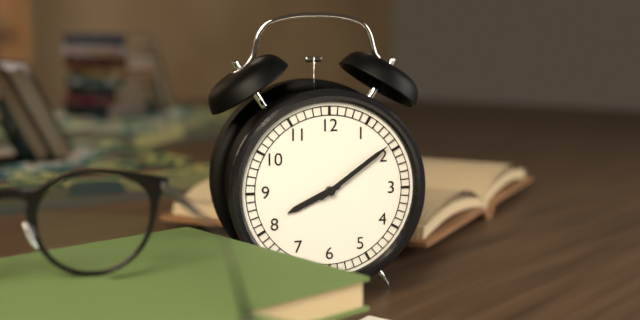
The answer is 8:09
